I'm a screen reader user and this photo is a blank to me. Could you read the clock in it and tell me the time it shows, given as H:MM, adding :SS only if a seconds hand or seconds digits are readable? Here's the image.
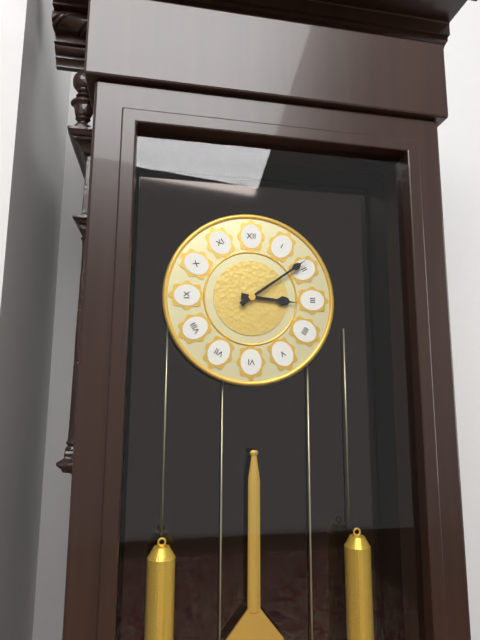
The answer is 3:09
